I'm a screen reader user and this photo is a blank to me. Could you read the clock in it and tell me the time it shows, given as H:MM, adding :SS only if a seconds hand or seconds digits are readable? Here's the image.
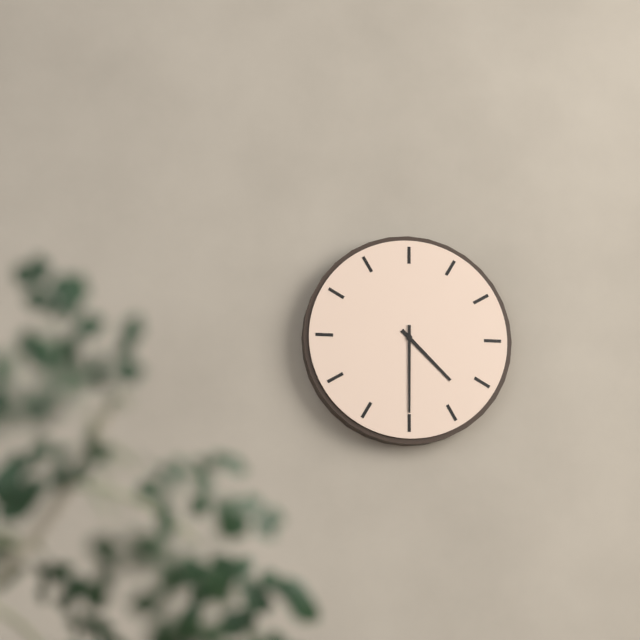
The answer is 4:30
